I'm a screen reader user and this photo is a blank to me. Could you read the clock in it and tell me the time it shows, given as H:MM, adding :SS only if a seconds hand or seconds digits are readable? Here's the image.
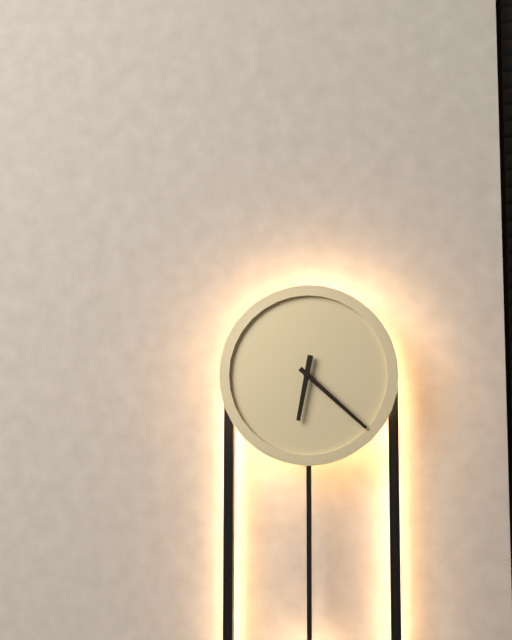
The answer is 6:22
